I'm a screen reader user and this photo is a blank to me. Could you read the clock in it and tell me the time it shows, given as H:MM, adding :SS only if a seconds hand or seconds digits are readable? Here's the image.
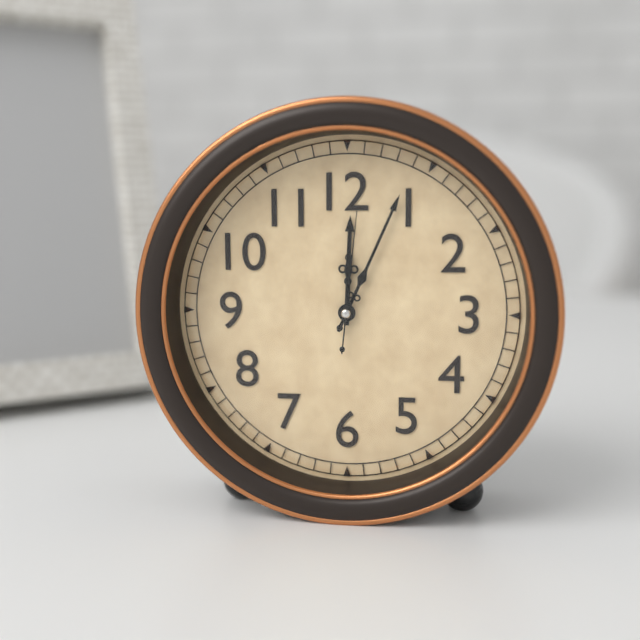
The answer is 12:04:01
